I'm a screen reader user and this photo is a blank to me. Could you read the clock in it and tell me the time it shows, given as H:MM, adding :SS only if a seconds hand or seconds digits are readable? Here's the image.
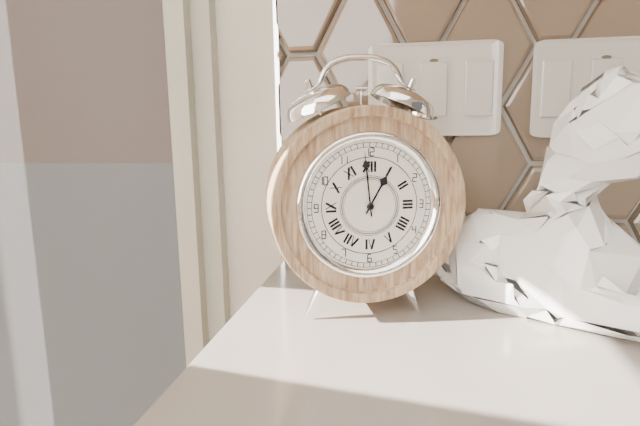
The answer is 12:59
